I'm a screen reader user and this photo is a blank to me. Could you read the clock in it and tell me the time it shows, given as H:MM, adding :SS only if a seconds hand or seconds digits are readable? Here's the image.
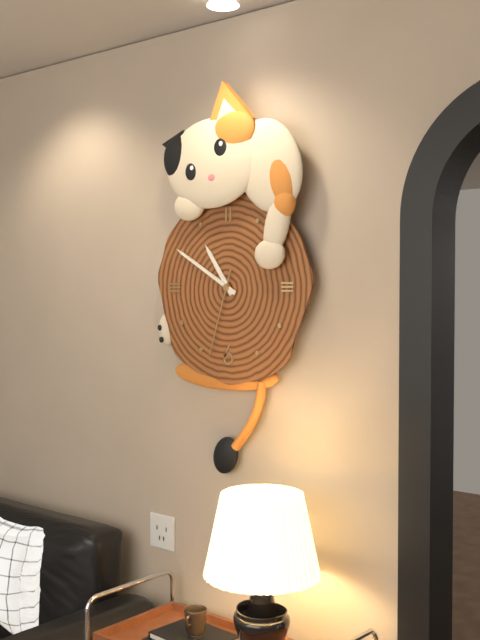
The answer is 10:50:33
